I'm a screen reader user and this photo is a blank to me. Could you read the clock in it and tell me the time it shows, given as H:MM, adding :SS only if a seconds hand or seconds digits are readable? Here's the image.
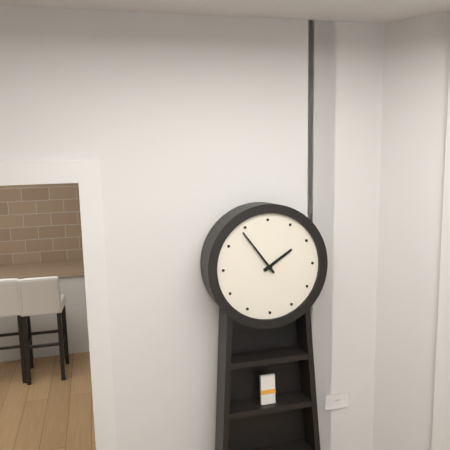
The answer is 1:54
